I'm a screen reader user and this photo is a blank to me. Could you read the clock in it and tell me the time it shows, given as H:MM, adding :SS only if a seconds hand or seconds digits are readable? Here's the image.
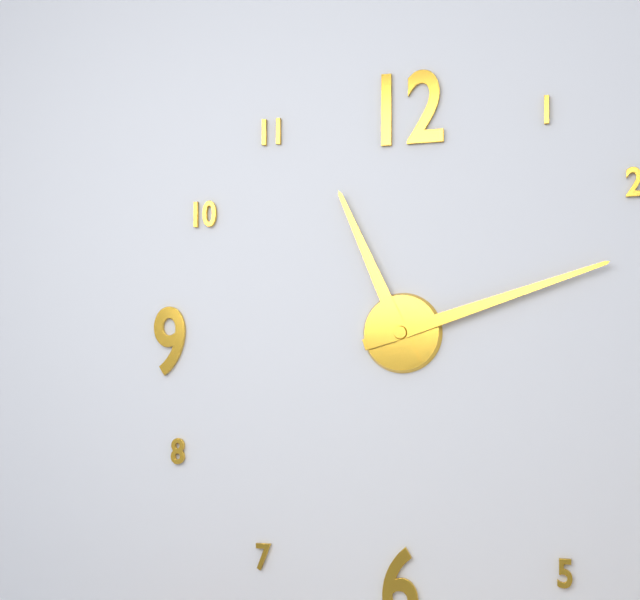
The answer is 11:12
